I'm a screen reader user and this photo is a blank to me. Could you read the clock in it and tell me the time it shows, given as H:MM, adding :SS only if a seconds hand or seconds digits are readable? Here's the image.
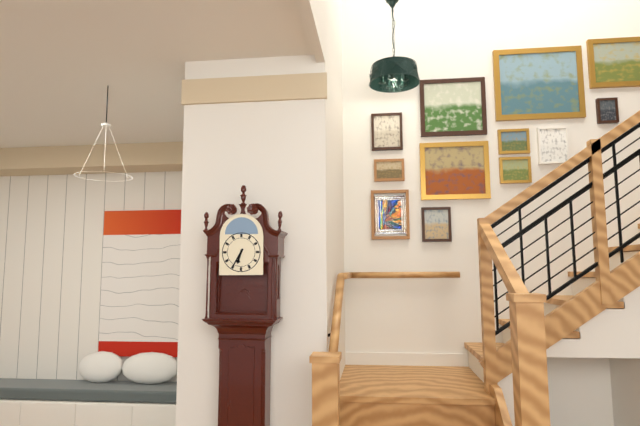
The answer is 6:35
